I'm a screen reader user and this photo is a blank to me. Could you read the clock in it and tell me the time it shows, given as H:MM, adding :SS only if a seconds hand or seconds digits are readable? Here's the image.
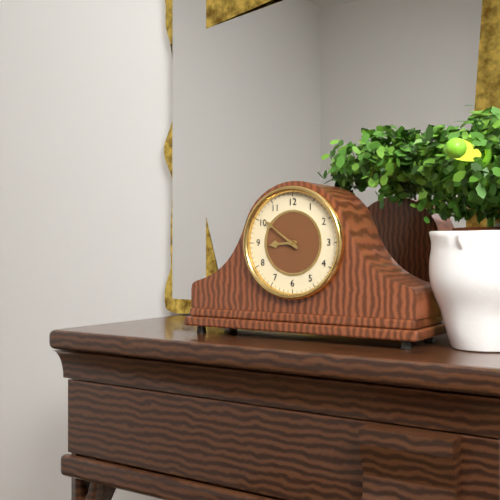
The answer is 8:51
